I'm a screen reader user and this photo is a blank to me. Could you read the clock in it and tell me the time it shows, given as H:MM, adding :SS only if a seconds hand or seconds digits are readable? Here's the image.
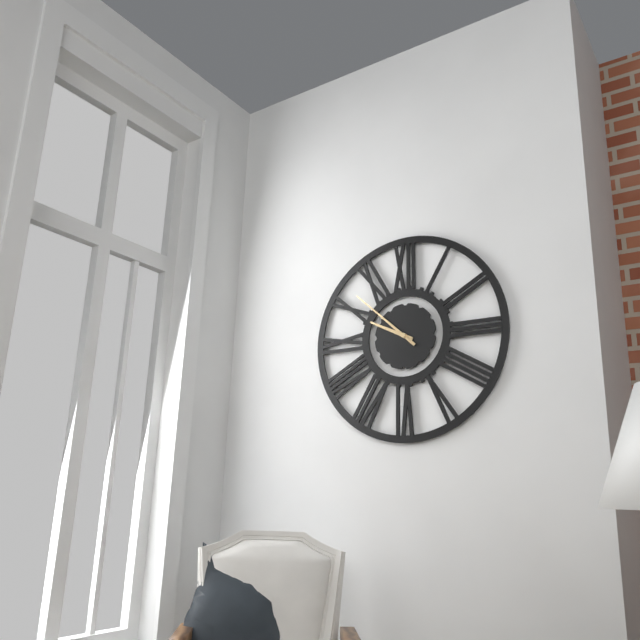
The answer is 9:52
